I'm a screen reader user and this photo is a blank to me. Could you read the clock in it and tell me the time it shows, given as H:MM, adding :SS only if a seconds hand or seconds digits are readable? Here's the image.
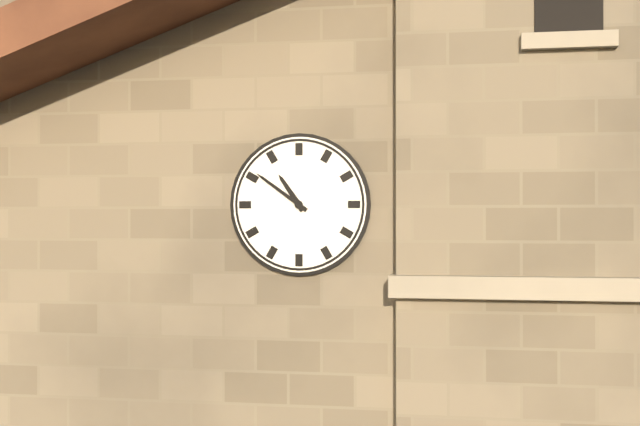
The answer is 10:51
